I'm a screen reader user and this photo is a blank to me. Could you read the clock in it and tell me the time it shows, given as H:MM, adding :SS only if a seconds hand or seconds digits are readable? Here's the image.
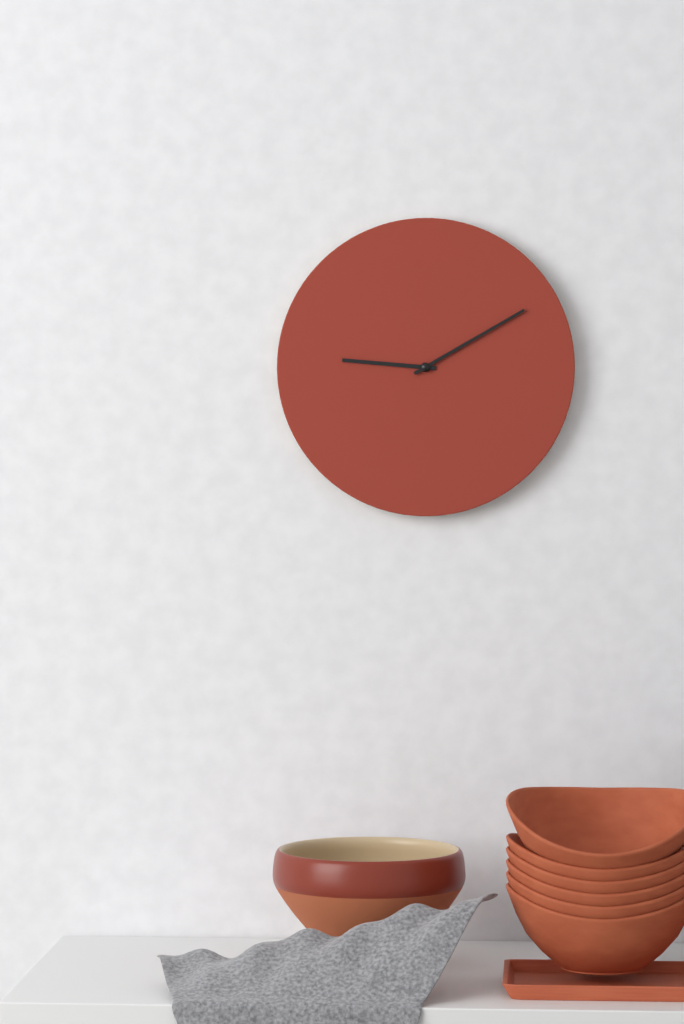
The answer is 9:10
